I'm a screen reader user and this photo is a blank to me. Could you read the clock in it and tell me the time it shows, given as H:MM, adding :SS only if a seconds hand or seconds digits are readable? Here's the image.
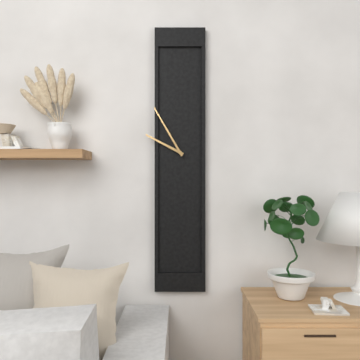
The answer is 9:55
